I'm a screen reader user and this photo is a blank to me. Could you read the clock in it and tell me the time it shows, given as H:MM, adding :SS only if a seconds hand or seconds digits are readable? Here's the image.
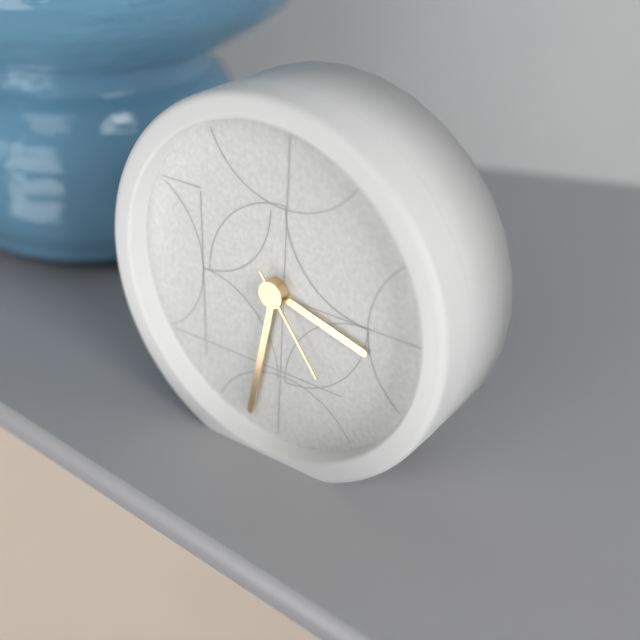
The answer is 3:32:24
